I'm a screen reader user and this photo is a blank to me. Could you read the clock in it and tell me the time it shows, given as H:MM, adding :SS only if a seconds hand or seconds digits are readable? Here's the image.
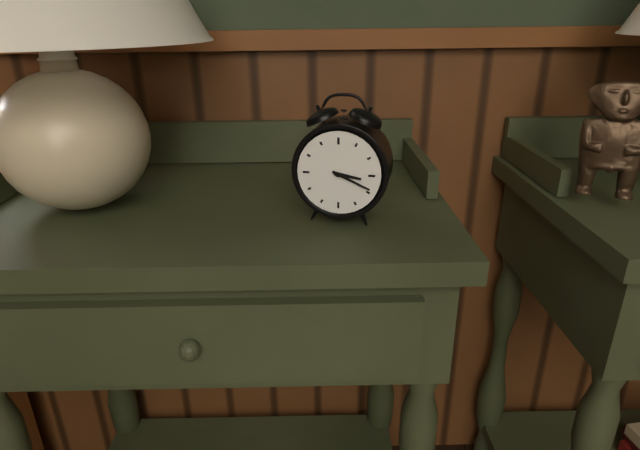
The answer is 3:19
